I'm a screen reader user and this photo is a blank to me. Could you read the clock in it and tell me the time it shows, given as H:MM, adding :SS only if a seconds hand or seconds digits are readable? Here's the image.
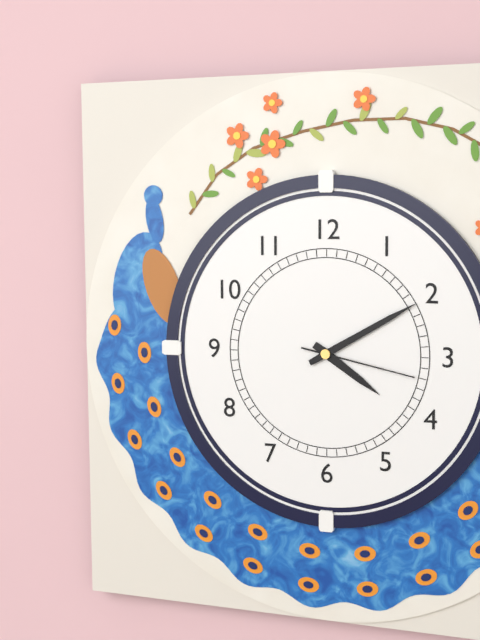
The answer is 4:10:17
